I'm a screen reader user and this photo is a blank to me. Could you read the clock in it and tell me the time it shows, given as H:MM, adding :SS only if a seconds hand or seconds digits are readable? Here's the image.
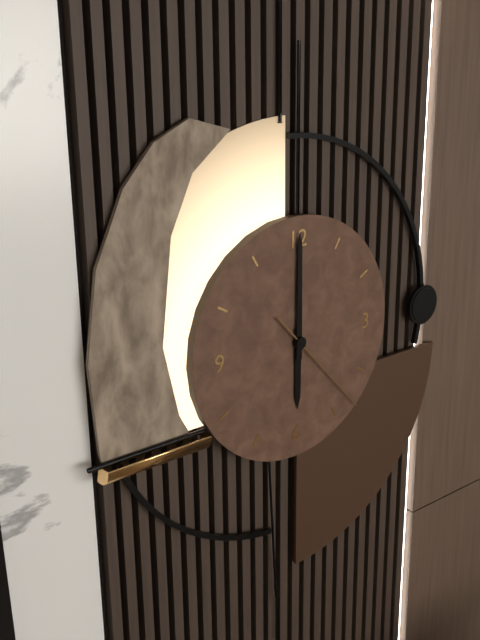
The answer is 6:00:23
